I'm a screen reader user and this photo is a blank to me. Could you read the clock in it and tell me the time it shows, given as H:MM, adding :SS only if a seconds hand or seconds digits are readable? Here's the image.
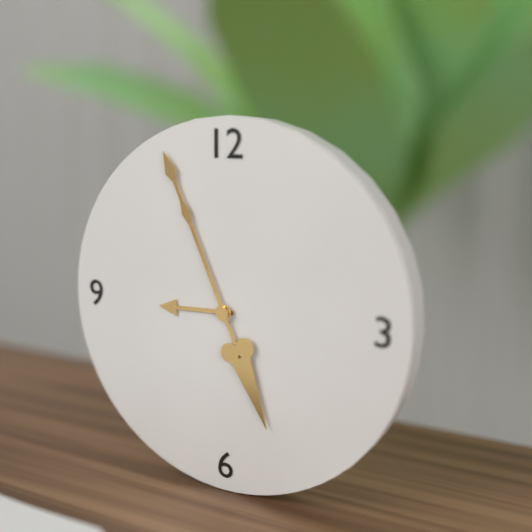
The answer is 8:56
